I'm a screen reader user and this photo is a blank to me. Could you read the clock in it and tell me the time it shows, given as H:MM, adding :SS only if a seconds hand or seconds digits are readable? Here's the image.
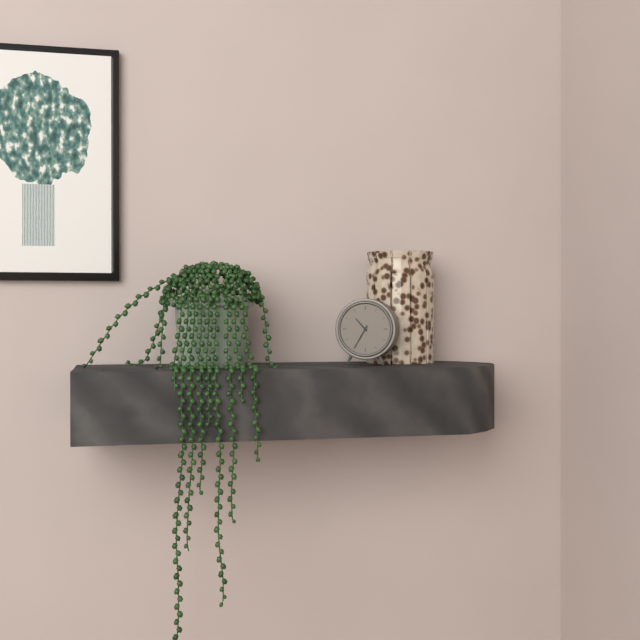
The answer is 10:35
